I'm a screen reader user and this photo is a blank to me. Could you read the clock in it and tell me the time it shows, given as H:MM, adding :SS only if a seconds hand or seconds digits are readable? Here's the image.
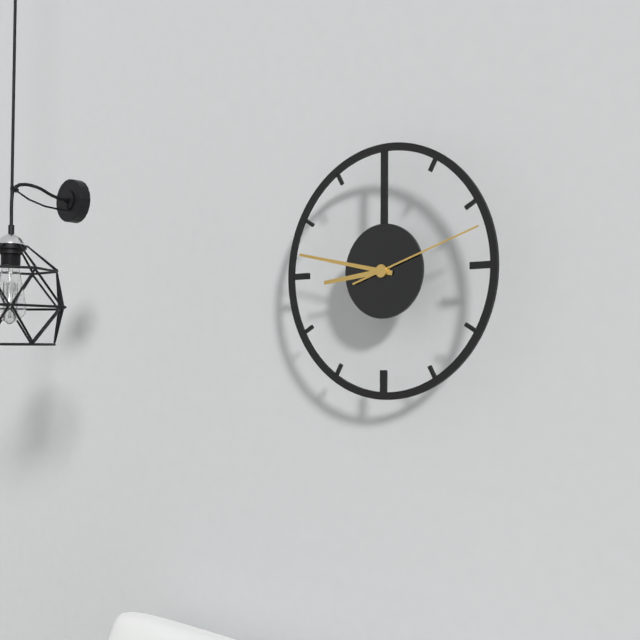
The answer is 8:47:12
